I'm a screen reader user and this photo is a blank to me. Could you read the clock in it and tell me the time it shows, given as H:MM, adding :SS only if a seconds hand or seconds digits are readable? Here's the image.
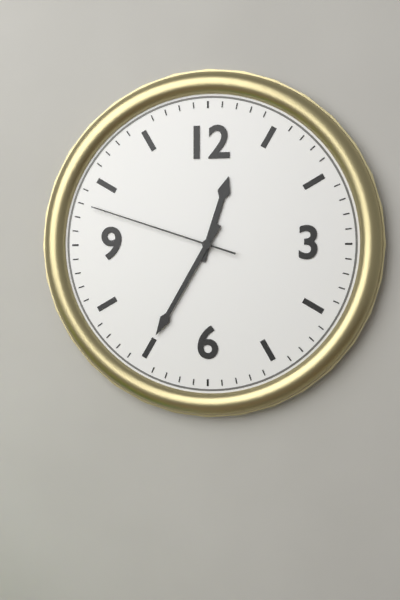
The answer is 12:35:48
